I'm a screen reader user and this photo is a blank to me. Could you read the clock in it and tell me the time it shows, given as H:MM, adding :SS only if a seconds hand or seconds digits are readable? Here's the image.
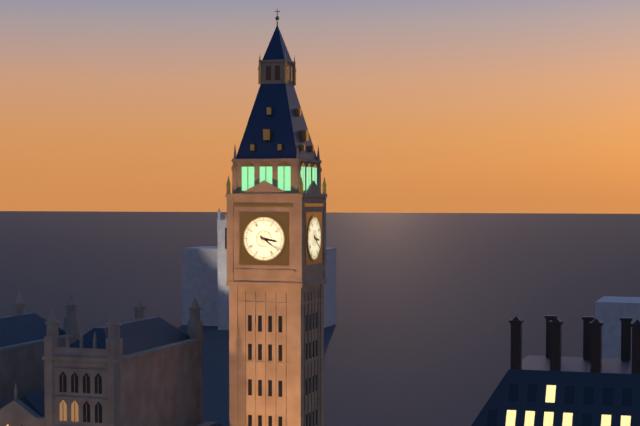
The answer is 3:21
